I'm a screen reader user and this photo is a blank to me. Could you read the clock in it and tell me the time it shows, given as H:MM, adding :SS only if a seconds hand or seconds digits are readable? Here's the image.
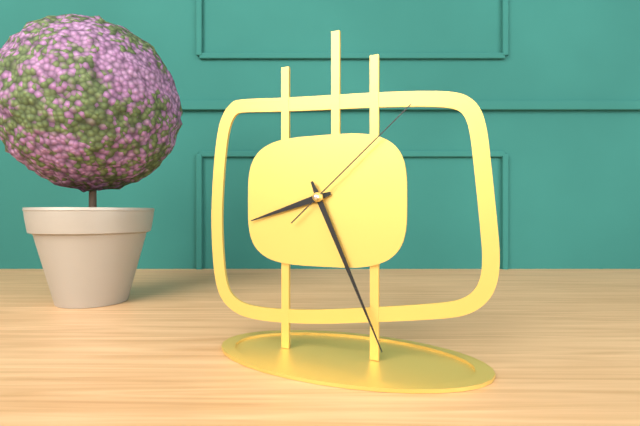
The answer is 8:26:08
